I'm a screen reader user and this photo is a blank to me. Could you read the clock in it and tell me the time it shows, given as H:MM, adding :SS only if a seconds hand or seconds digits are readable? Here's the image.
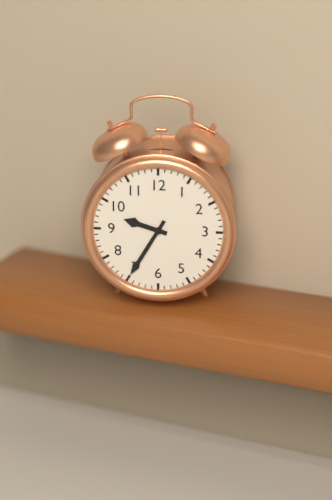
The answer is 9:35
